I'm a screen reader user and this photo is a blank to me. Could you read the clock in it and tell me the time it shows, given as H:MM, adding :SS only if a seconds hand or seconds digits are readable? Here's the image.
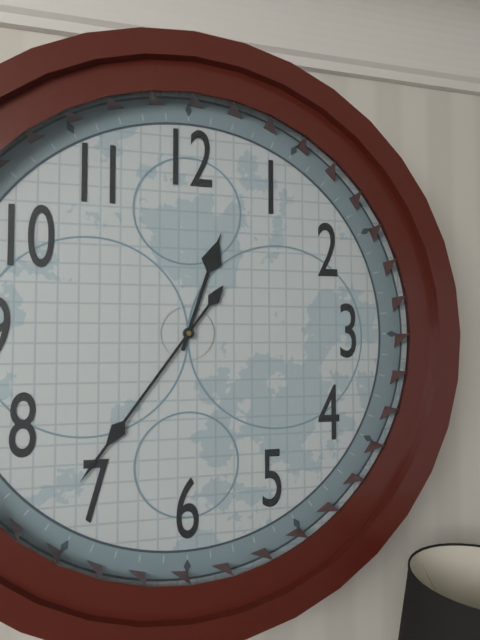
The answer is 12:36
